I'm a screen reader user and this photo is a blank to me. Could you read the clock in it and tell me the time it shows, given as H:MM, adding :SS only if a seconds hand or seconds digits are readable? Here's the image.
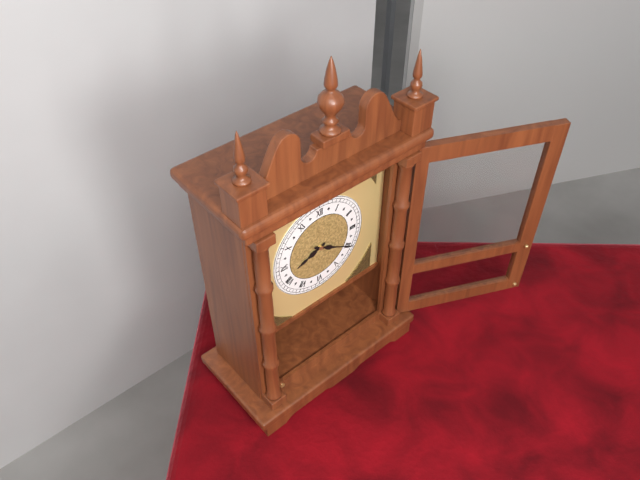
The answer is 8:20
